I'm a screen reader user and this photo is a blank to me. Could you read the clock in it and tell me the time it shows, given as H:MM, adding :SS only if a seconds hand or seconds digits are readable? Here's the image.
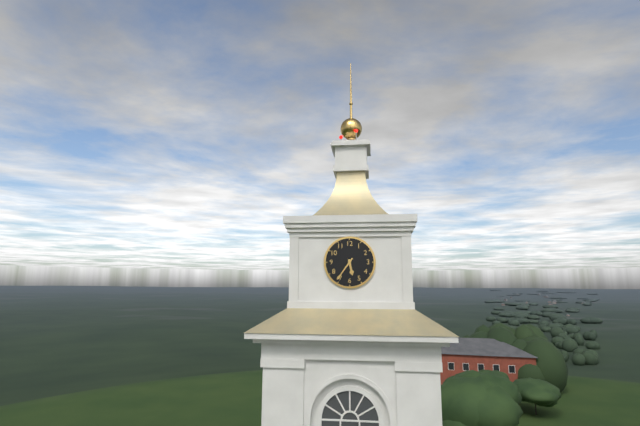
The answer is 5:36
